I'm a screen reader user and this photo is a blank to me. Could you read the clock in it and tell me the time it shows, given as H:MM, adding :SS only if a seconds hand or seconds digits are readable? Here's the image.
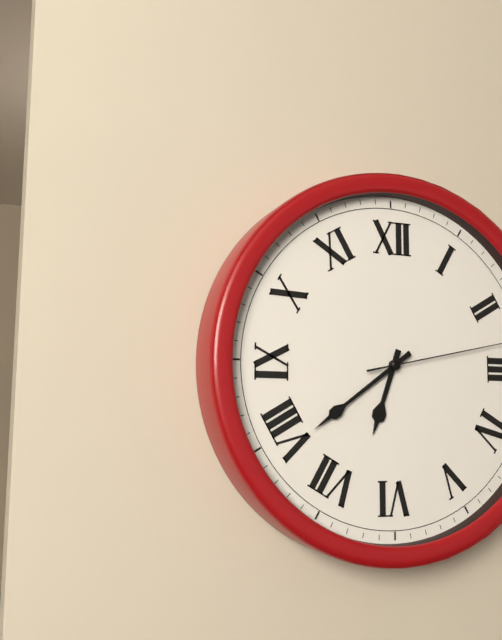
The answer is 6:39
